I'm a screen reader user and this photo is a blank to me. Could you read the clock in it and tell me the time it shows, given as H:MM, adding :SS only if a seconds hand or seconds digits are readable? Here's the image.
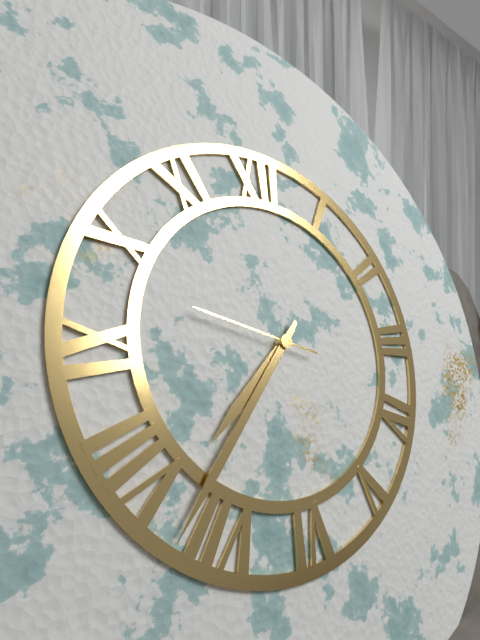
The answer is 7:37:48
